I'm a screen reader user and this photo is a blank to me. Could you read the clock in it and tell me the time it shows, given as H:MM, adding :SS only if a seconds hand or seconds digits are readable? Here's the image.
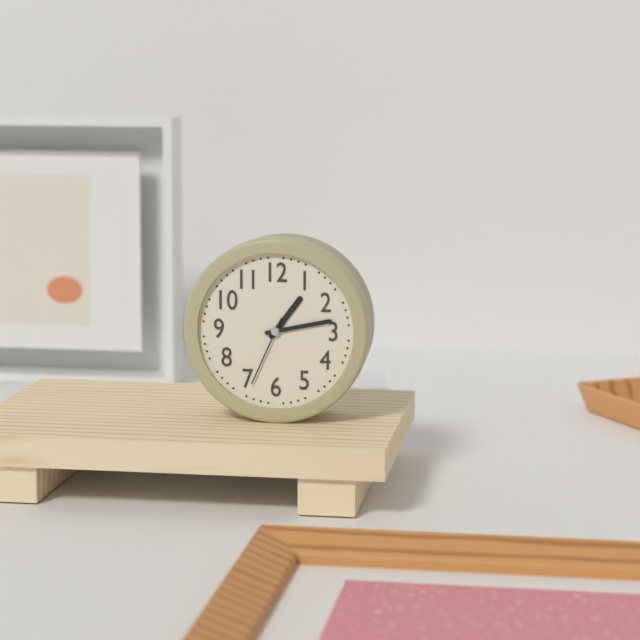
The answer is 1:13:34
